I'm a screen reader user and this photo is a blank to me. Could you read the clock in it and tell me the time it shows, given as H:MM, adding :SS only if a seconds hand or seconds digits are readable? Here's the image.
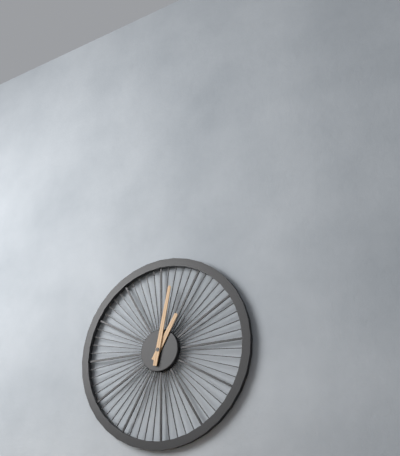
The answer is 1:02
